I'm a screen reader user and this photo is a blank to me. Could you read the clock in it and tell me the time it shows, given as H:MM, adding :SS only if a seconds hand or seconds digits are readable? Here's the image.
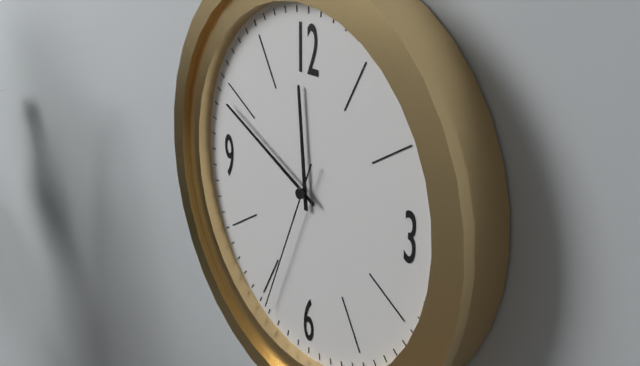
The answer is 11:49:34
